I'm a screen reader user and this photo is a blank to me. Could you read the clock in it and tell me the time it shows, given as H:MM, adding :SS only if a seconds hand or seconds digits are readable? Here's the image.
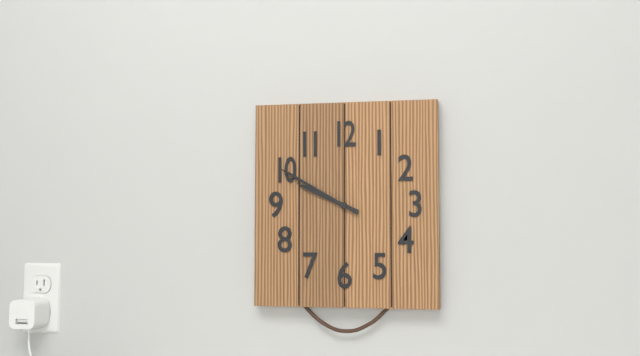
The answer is 9:50
